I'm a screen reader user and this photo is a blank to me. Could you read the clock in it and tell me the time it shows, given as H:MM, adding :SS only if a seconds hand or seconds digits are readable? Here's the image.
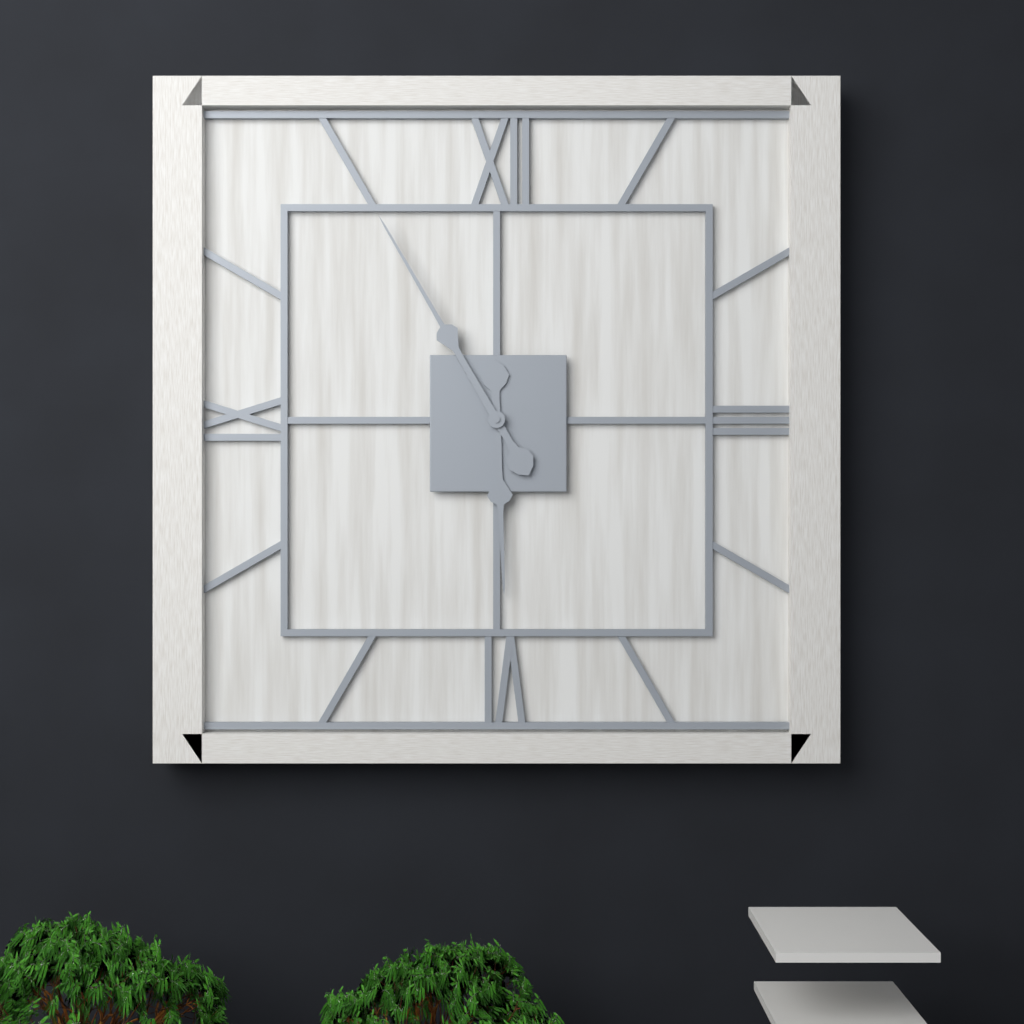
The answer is 5:55
